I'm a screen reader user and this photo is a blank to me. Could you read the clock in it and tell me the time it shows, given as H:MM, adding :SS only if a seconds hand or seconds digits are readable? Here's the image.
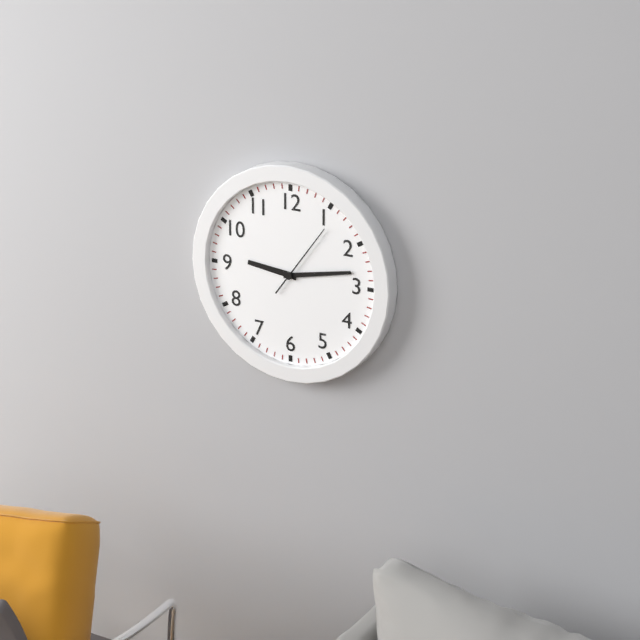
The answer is 9:13:06
